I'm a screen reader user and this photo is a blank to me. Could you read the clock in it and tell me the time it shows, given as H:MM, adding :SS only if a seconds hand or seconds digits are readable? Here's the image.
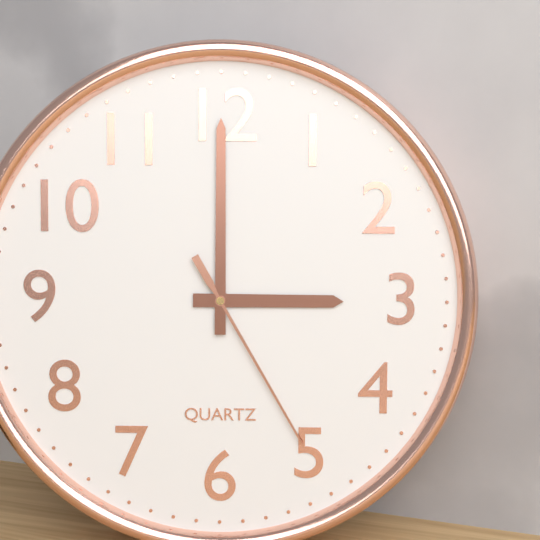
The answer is 3:00:25
